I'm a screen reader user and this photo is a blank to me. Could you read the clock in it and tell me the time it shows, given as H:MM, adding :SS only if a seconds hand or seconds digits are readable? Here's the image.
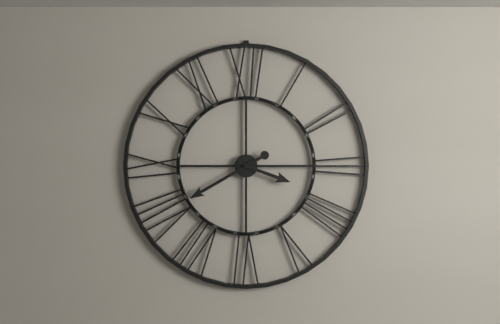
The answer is 3:40
